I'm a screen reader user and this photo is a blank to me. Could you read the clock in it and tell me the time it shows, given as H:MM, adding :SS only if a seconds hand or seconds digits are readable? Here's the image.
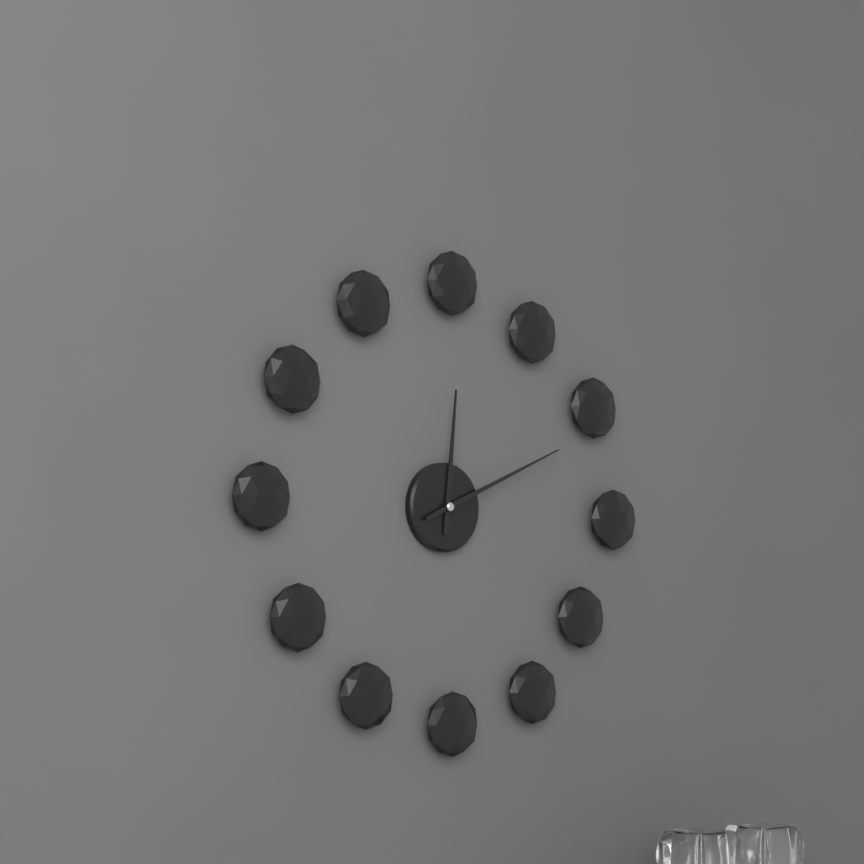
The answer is 12:11
